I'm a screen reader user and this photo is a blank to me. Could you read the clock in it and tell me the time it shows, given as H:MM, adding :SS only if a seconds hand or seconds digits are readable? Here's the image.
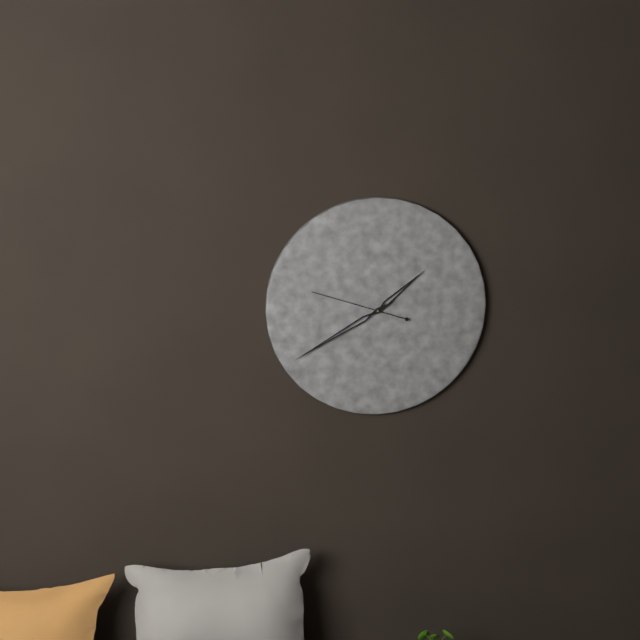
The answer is 1:40:48
